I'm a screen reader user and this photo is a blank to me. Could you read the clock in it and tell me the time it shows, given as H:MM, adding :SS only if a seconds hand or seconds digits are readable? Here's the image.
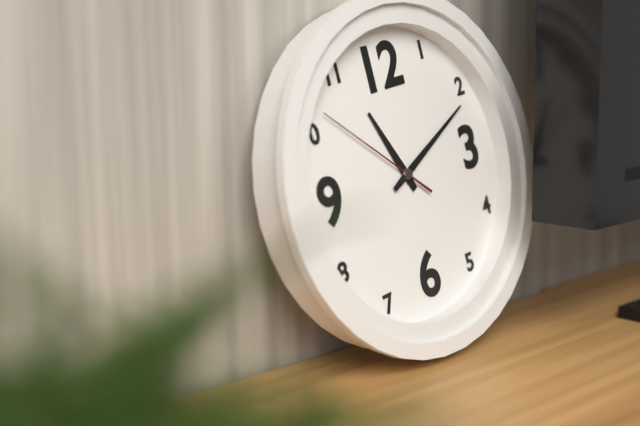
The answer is 11:11:52
